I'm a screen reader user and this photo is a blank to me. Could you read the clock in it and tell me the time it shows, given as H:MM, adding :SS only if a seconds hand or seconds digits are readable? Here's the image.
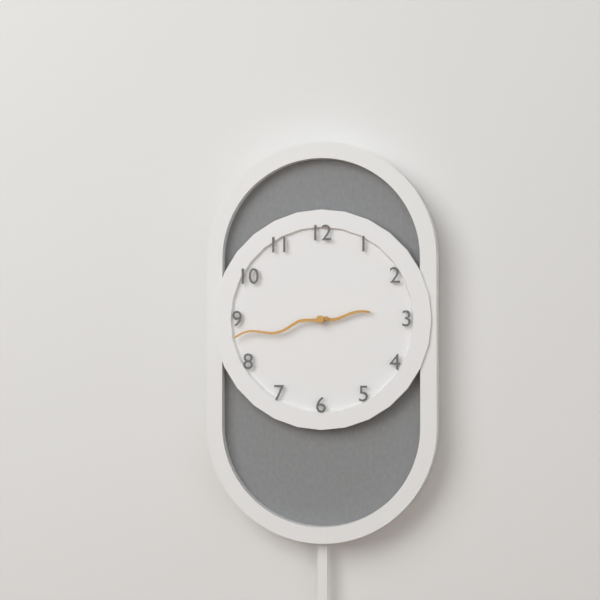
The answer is 2:43
